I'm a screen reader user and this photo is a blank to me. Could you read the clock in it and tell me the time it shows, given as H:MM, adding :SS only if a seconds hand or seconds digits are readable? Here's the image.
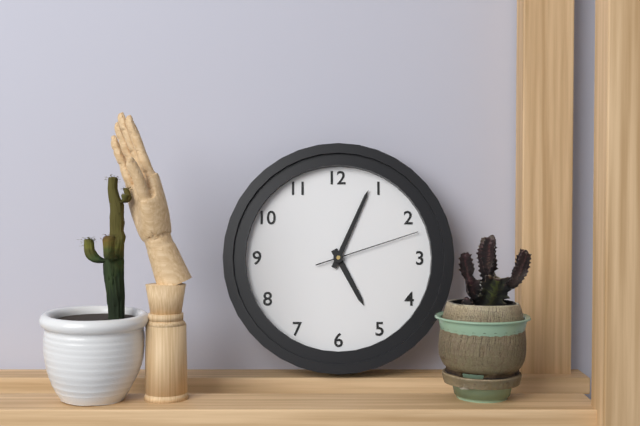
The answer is 5:04:12
